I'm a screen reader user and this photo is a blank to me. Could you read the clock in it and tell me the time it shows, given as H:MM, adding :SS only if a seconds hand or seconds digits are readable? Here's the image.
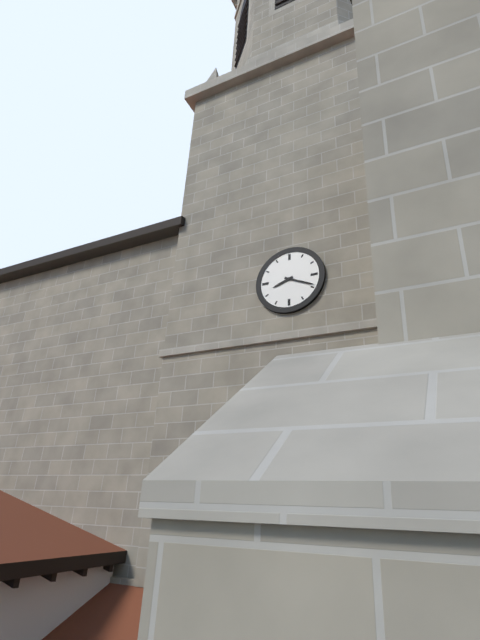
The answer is 8:19
